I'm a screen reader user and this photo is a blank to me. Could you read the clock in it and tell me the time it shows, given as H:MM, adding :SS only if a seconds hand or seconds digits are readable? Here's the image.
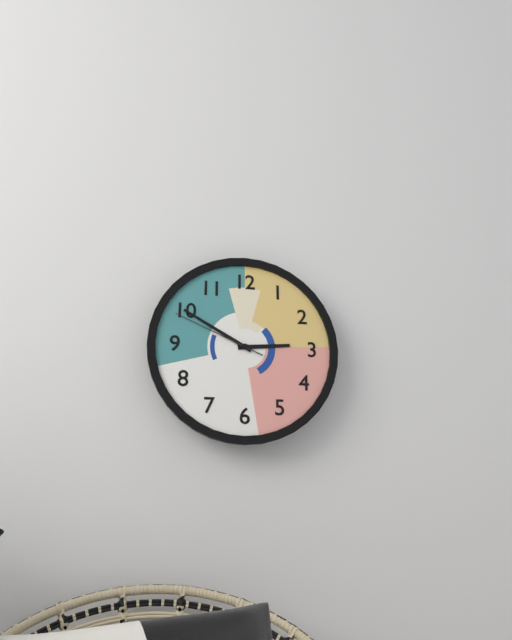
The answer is 2:50:49
